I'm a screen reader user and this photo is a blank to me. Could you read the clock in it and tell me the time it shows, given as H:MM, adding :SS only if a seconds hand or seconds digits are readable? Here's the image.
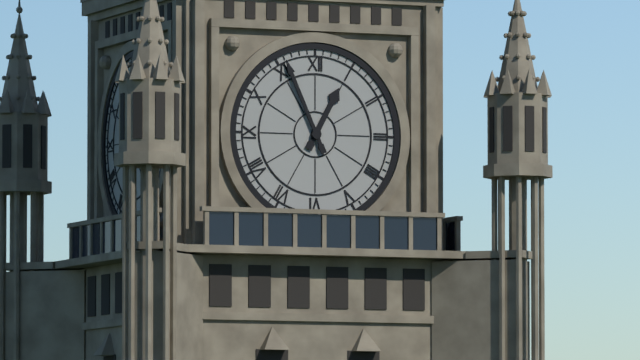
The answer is 12:56
